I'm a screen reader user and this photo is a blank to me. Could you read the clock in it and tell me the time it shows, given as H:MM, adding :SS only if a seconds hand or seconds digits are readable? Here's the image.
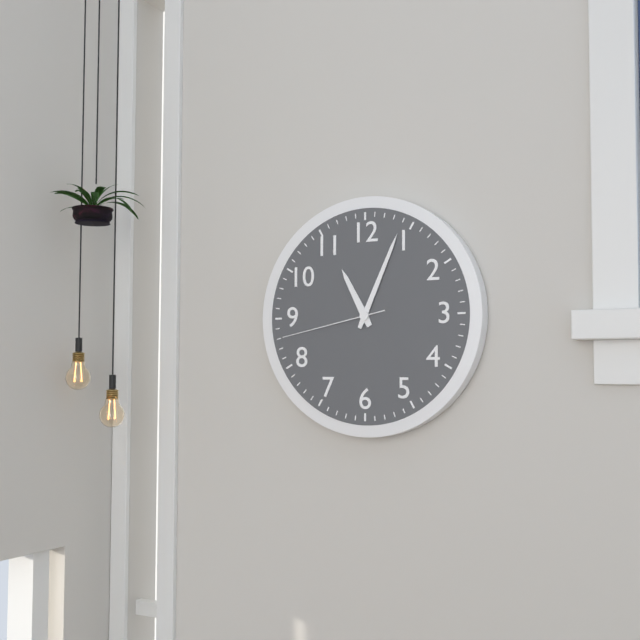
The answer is 11:04:43
